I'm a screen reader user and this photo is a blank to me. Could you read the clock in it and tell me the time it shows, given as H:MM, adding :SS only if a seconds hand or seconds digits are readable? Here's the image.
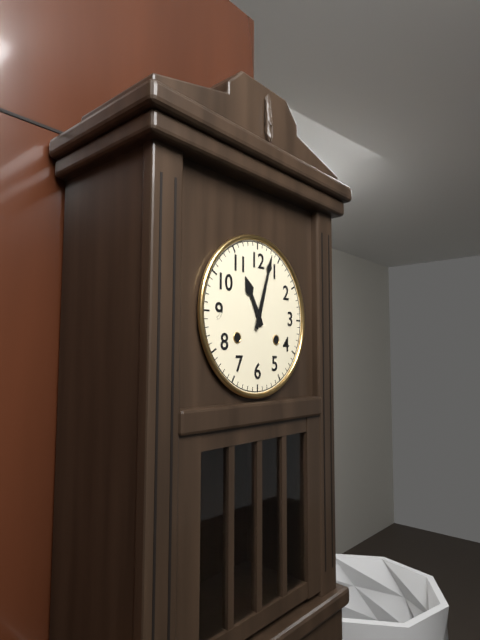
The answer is 11:03
